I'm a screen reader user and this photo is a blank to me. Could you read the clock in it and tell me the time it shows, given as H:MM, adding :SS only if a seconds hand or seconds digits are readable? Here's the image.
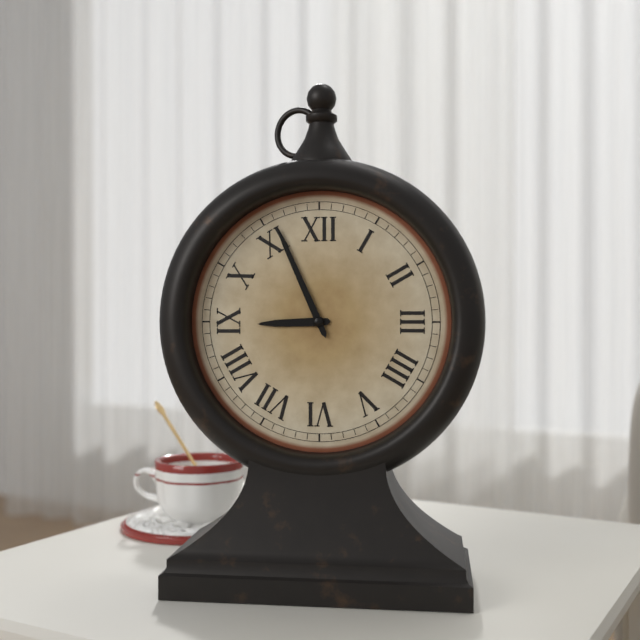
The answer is 8:56
